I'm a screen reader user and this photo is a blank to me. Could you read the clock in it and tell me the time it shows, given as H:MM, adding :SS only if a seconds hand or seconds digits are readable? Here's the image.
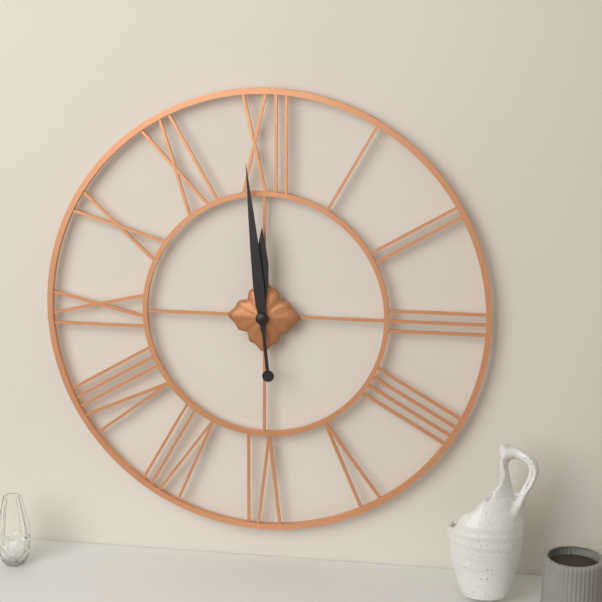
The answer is 11:59
